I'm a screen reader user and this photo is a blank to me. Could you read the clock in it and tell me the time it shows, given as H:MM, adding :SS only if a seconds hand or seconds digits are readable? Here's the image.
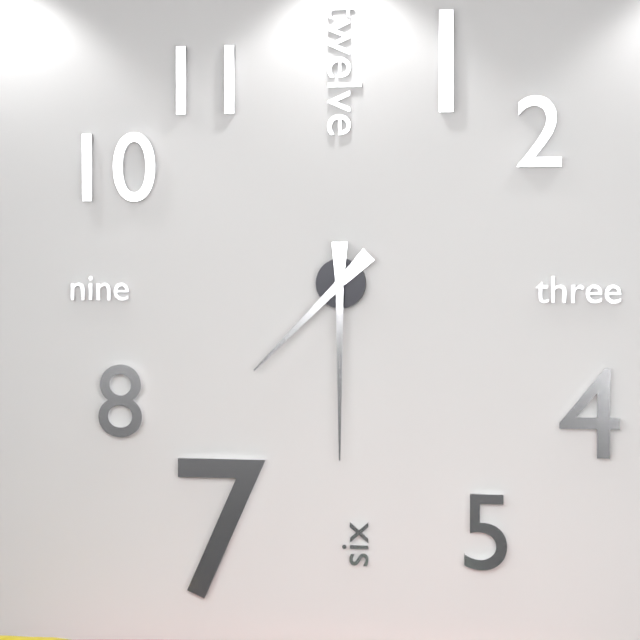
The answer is 7:30
